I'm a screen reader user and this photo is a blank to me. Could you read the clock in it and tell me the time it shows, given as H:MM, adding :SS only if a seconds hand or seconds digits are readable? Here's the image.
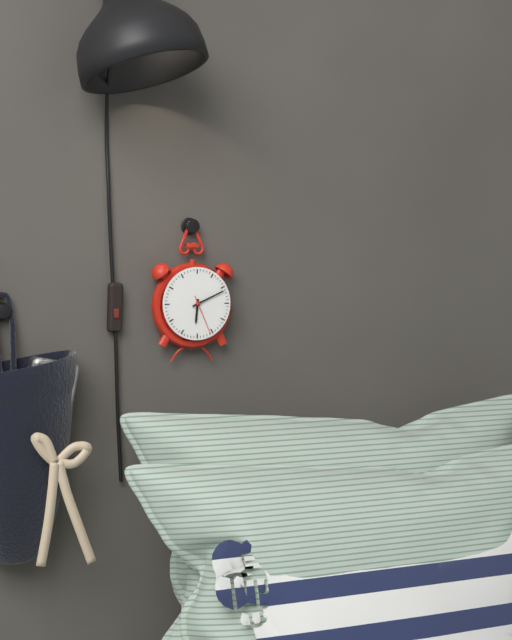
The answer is 6:11
